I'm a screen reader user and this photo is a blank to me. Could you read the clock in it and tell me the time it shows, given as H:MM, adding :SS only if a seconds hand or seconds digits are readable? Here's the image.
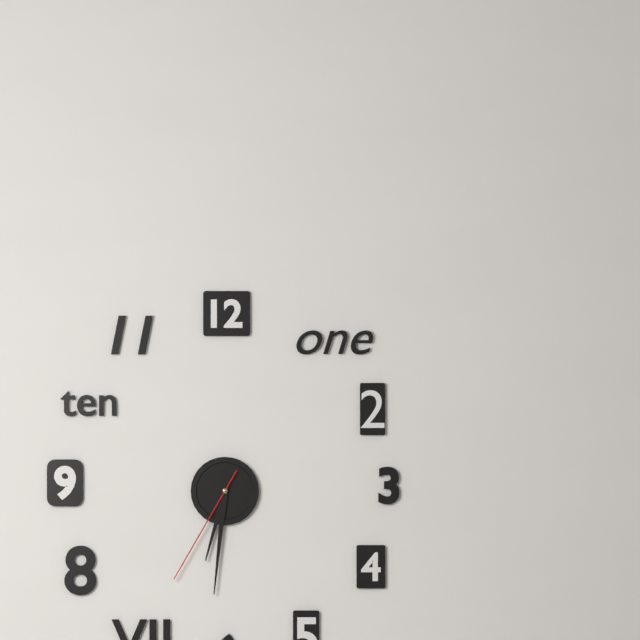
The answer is 6:31:35
